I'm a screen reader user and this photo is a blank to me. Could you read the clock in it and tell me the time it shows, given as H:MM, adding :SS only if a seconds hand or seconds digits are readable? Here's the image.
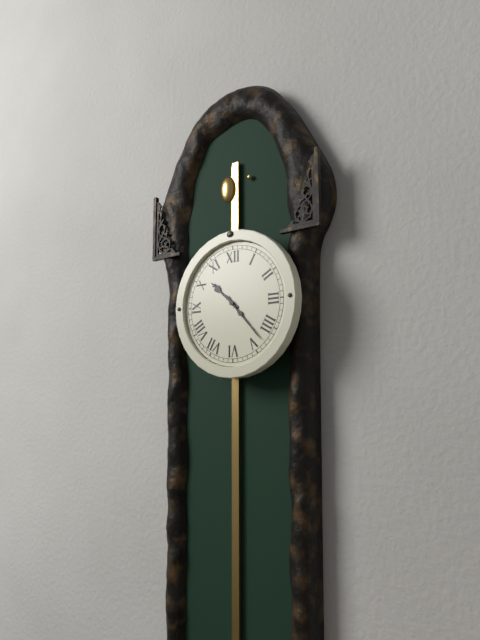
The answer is 10:23
